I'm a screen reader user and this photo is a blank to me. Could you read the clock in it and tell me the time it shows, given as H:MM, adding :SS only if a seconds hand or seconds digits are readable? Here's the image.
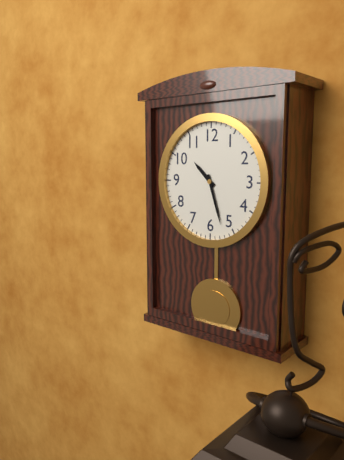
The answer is 10:27
